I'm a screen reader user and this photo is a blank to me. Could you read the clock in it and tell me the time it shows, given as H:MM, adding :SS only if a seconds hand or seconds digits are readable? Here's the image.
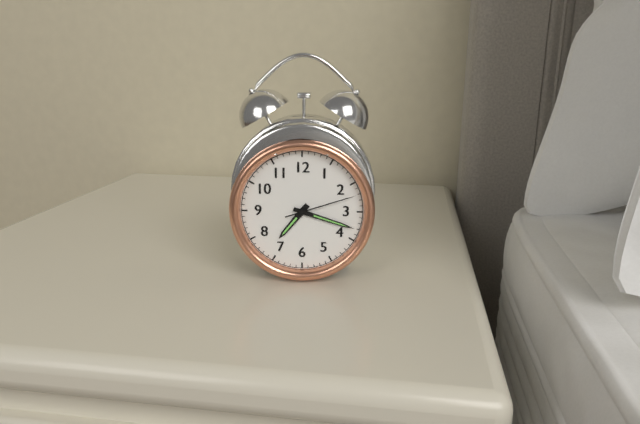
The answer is 7:18:12
